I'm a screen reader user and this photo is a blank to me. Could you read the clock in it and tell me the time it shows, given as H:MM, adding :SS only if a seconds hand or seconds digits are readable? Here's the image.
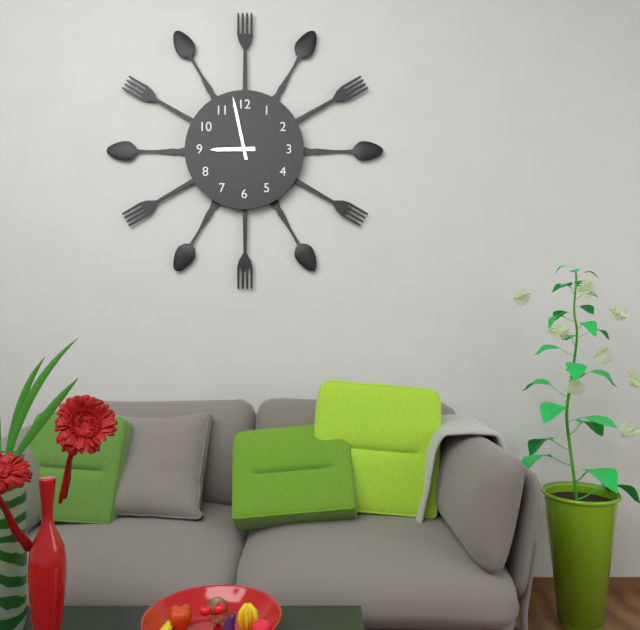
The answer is 8:58
